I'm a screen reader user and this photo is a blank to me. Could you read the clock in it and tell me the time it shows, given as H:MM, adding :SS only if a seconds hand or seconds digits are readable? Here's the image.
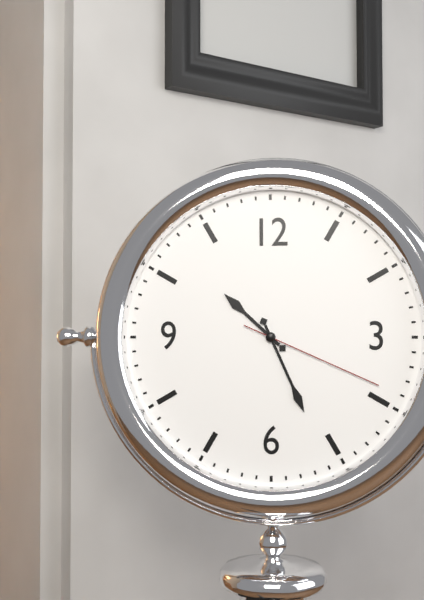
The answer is 10:26:19
